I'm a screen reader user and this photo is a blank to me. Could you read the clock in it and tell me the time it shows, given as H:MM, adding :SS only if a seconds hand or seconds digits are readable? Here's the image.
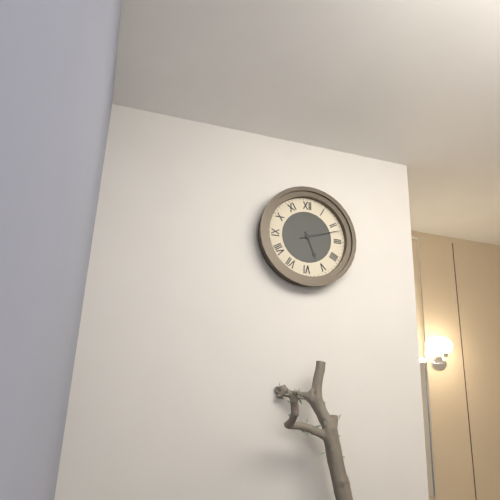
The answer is 5:12
